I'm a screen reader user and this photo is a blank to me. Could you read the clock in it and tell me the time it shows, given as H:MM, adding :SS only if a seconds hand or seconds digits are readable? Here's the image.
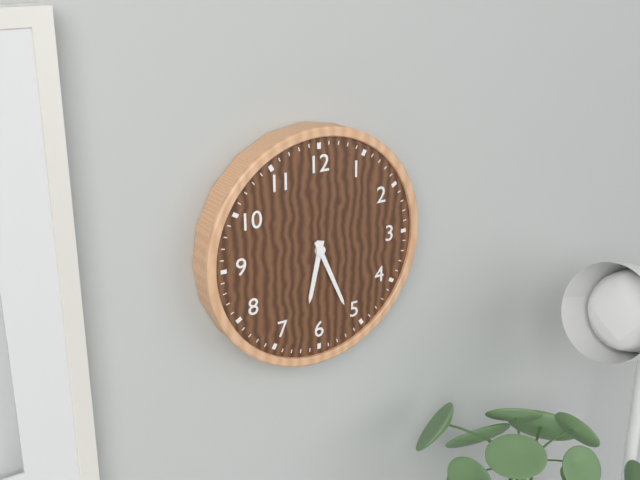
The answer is 6:26
